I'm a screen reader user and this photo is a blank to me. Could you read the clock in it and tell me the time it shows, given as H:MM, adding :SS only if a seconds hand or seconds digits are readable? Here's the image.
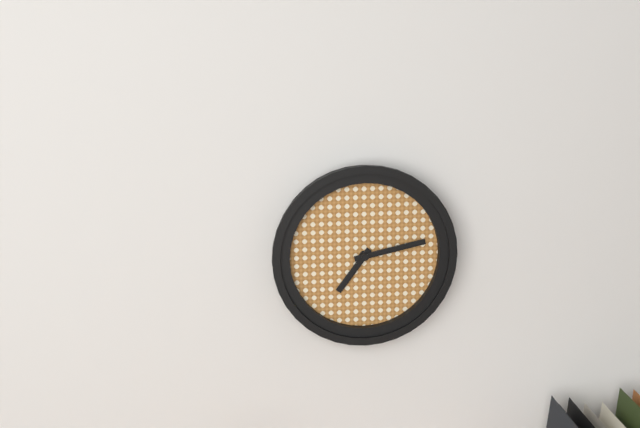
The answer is 7:13
